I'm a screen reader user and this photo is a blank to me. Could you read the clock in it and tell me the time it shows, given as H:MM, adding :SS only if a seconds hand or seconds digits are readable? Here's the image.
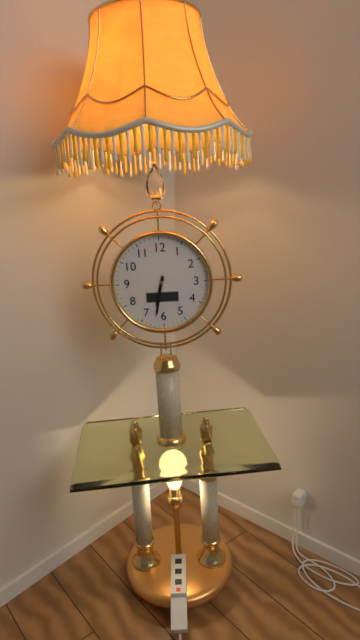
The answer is 6:32
